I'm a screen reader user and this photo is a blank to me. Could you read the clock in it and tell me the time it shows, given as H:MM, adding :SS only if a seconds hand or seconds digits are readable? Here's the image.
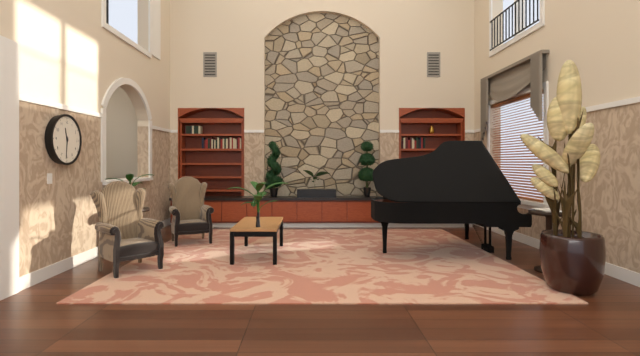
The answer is 11:31
